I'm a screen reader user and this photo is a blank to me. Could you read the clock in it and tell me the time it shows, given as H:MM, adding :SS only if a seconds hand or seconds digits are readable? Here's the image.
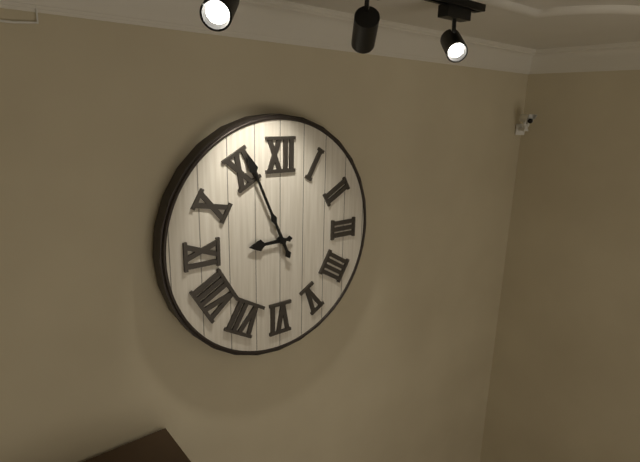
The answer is 8:56
